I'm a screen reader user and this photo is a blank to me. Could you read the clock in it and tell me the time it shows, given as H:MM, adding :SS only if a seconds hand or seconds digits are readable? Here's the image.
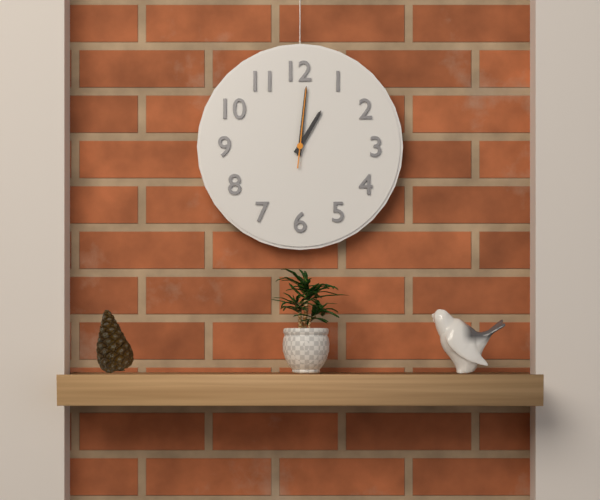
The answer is 1:01:01
